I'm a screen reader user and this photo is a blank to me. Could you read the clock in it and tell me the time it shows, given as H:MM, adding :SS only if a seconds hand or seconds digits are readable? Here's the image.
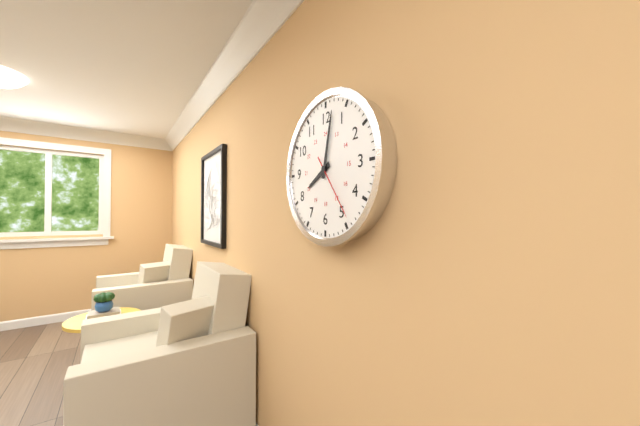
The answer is 8:02:24
